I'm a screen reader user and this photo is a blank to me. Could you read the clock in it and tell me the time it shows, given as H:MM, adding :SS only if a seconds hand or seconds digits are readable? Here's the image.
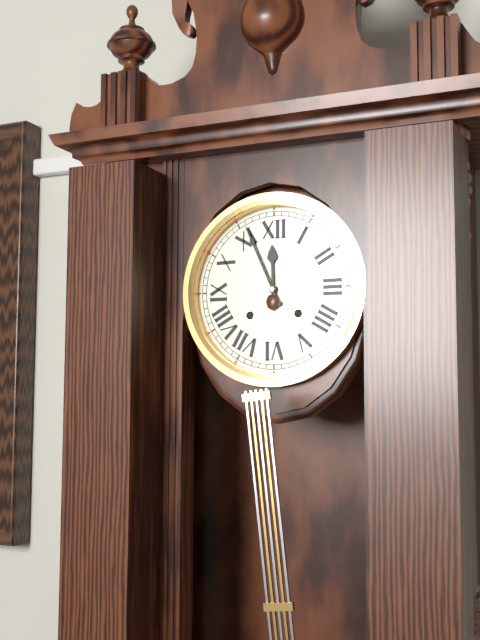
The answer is 11:56
